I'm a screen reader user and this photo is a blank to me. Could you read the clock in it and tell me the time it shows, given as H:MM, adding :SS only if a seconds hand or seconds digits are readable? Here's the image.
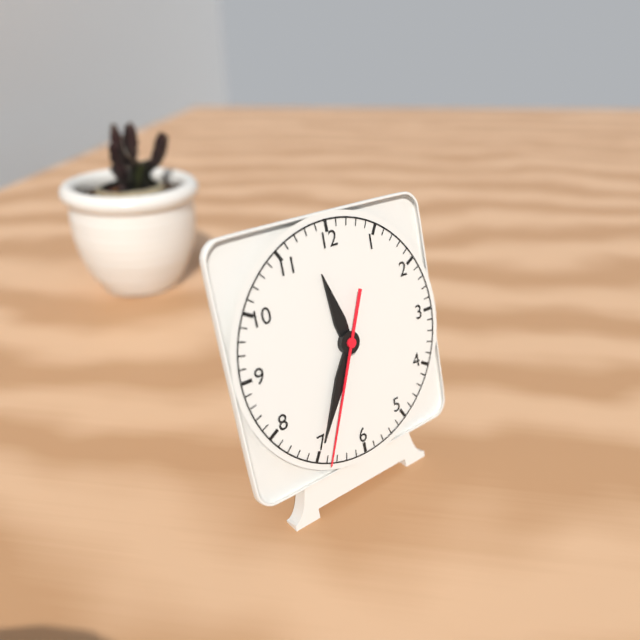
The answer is 11:35:34
